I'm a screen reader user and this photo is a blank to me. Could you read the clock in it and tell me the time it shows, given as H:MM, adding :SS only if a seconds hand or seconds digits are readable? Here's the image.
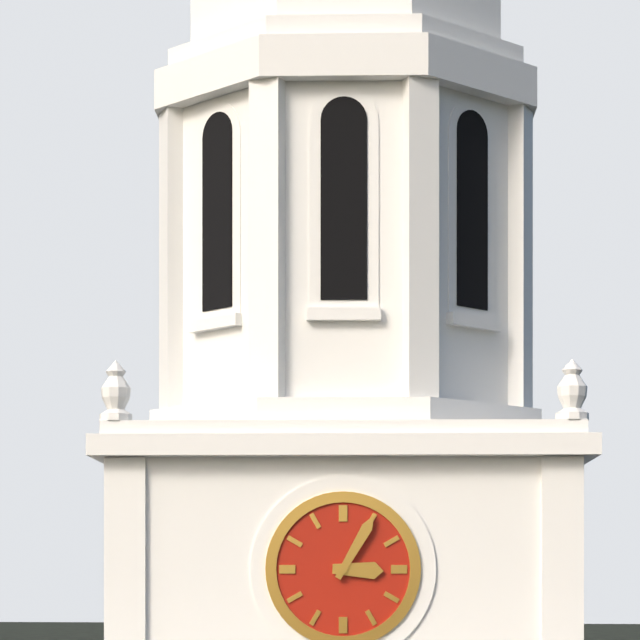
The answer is 3:05
